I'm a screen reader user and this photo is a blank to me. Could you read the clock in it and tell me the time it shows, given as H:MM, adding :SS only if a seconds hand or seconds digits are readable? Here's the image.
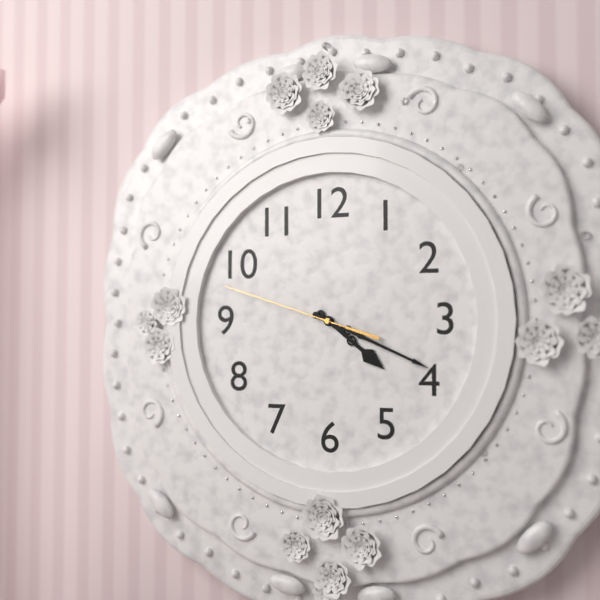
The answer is 4:19:48
